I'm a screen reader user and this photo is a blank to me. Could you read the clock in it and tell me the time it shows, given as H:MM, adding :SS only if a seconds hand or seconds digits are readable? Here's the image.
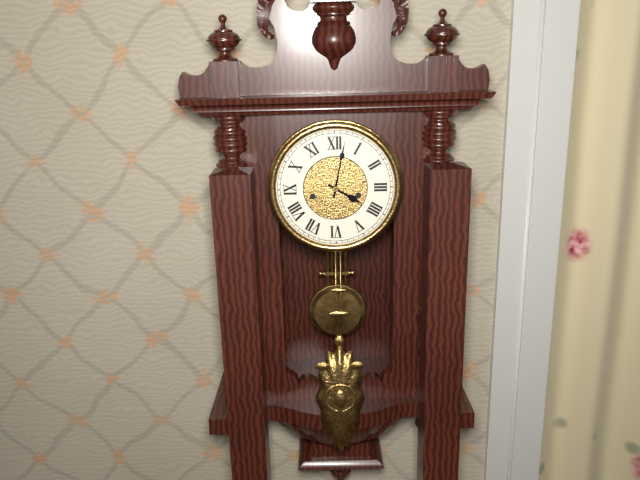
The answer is 4:02
